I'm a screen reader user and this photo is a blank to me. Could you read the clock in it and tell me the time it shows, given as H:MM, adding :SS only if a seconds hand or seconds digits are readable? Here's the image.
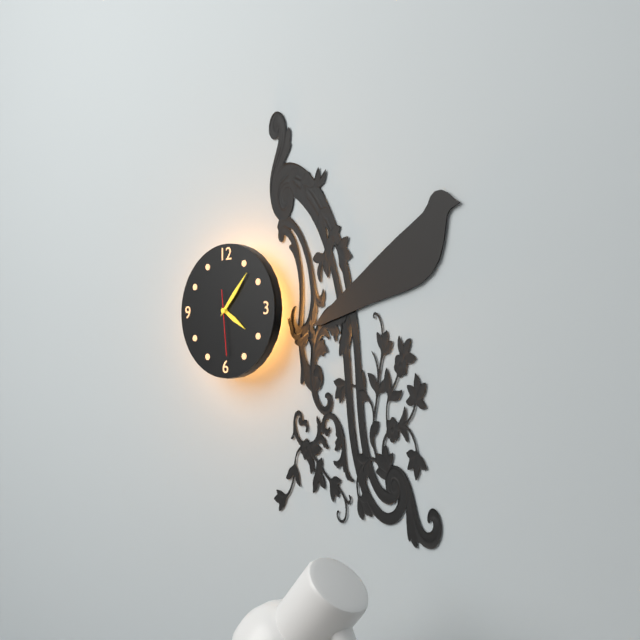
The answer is 4:07:29
